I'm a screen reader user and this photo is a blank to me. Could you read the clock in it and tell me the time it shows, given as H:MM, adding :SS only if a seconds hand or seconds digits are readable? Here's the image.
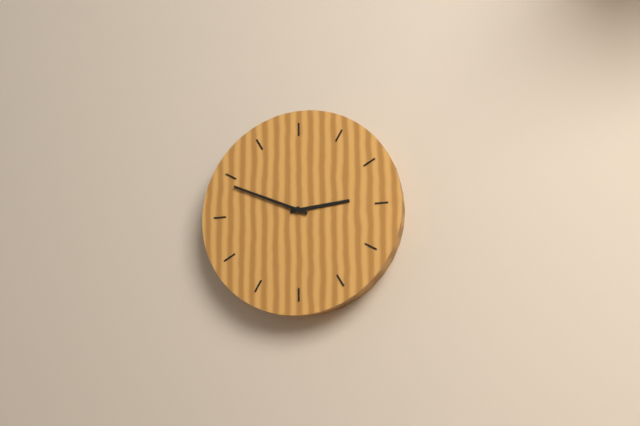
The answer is 2:49
